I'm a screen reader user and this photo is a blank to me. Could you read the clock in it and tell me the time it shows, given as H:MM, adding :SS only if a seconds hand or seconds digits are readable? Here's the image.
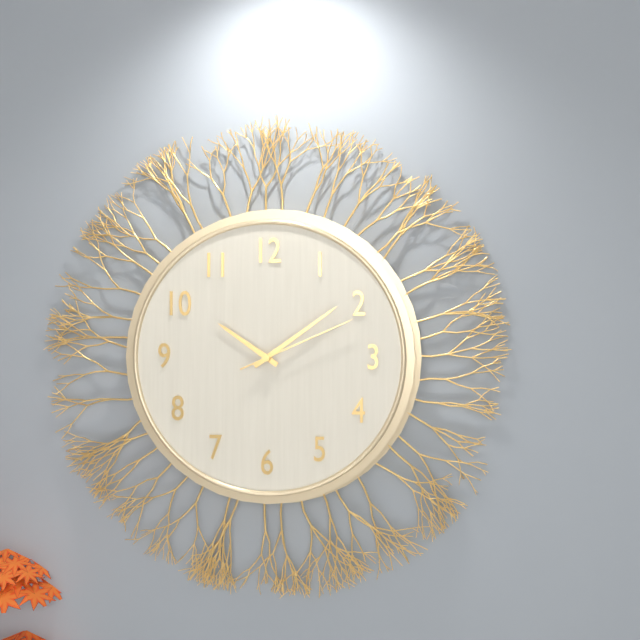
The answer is 10:09:11
